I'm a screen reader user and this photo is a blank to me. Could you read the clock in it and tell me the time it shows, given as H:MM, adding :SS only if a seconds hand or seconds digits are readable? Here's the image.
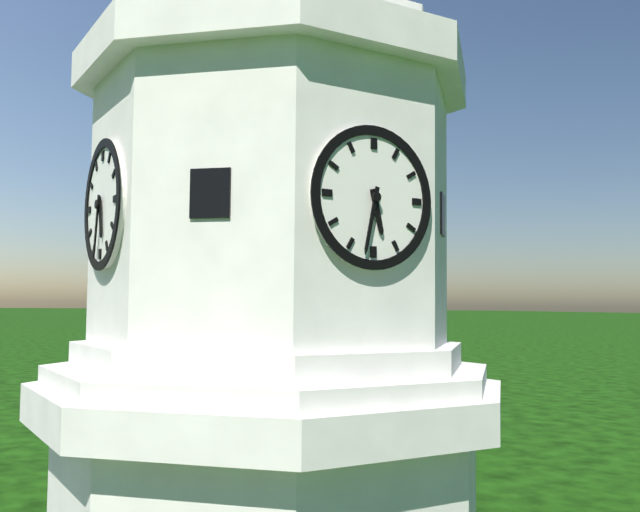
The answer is 5:32
